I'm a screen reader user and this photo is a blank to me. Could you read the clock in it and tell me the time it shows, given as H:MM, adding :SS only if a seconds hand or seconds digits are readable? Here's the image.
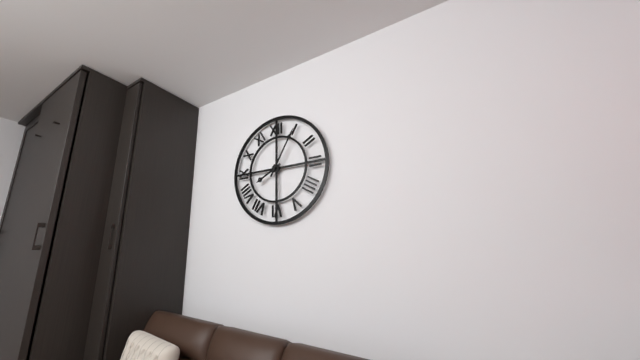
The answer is 8:05
